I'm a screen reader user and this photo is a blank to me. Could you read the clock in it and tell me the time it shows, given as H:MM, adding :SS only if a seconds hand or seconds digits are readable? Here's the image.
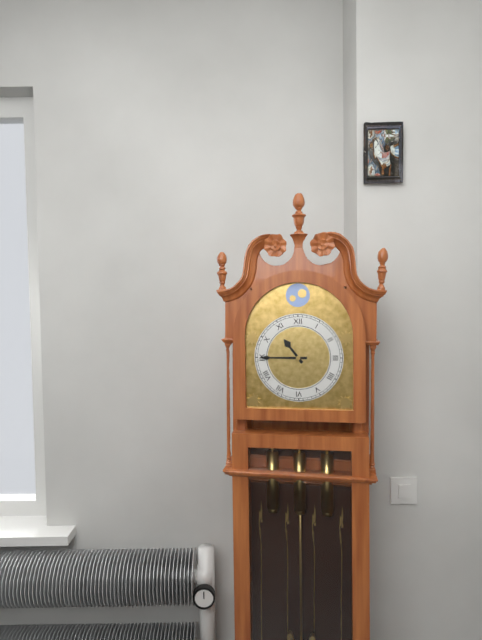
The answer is 10:45
